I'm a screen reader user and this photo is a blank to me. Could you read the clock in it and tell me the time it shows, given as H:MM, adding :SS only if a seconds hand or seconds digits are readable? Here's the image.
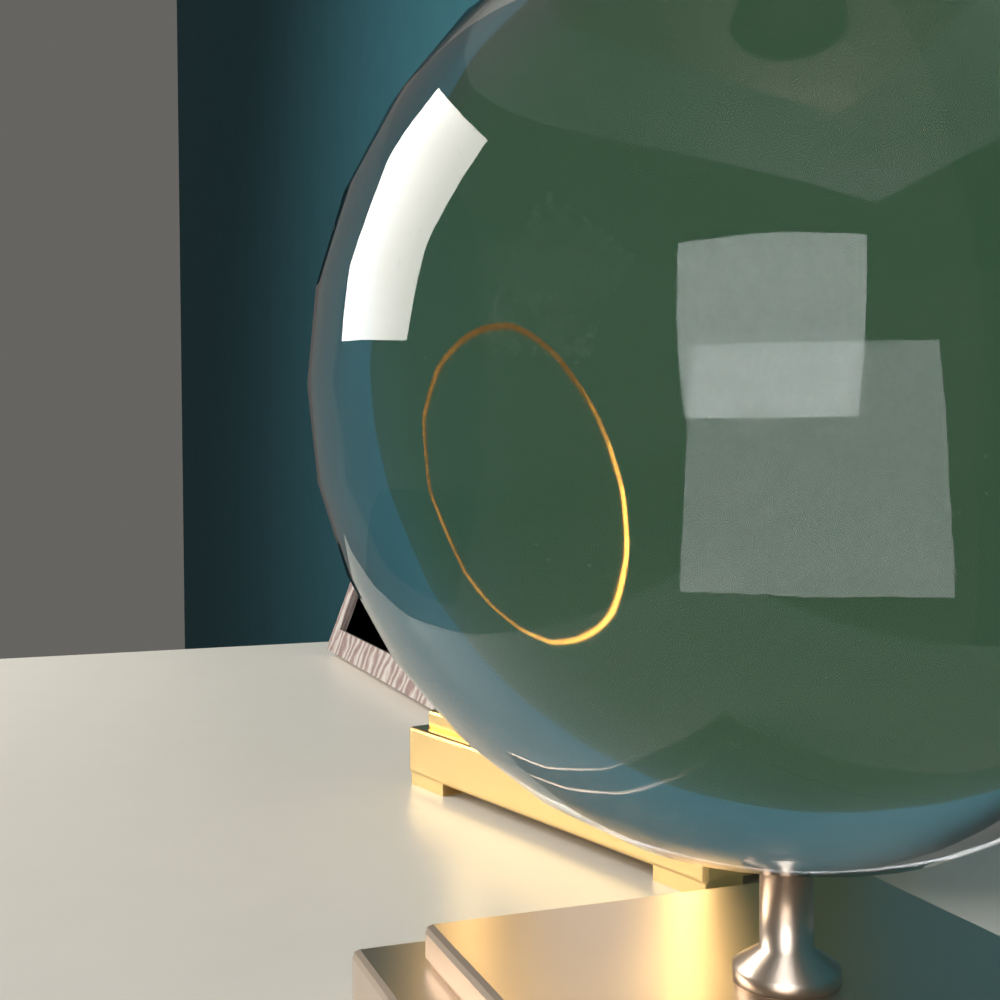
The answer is 5:37
